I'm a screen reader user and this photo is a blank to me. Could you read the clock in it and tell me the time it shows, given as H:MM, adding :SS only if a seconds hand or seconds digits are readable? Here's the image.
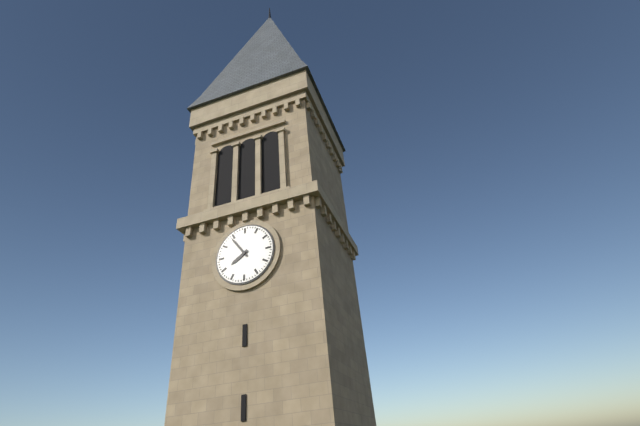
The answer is 7:54
